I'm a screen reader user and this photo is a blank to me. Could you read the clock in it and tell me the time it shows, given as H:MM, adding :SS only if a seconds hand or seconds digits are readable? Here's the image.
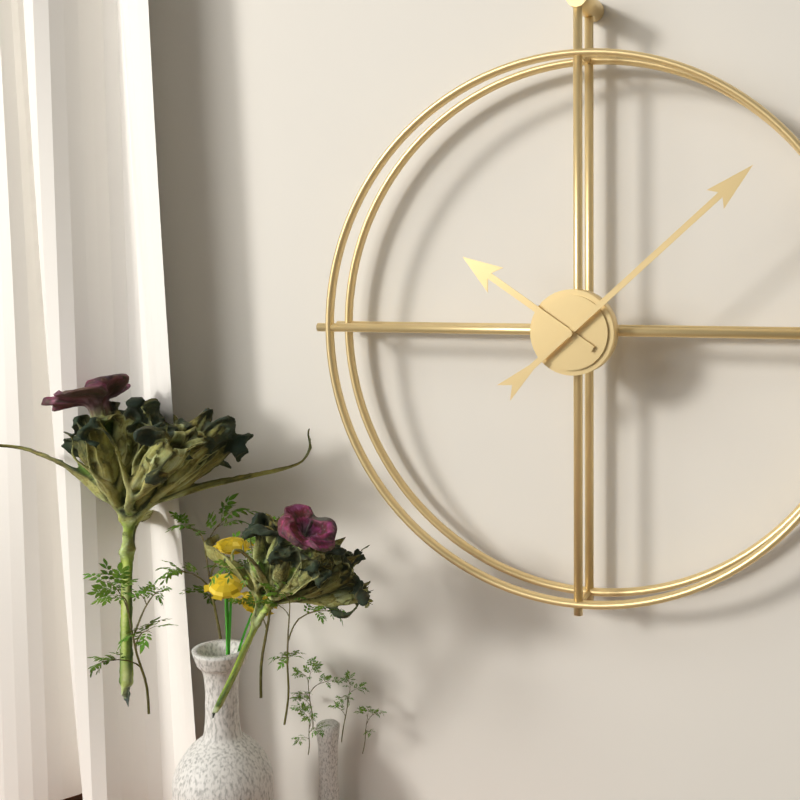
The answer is 10:08
